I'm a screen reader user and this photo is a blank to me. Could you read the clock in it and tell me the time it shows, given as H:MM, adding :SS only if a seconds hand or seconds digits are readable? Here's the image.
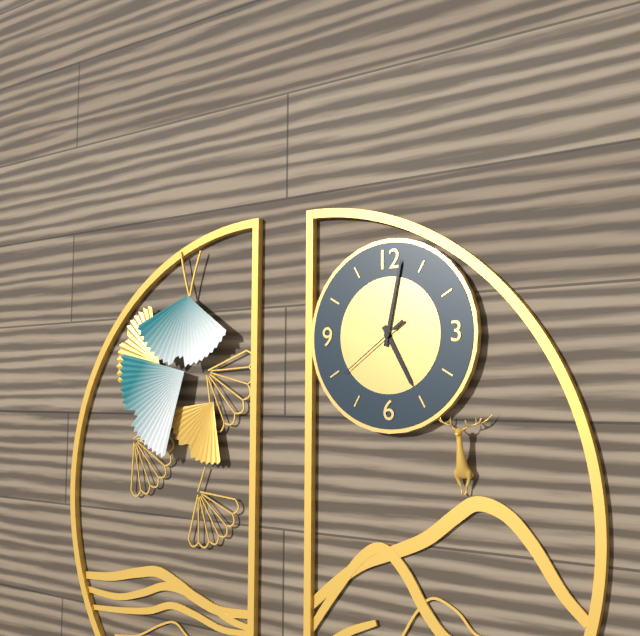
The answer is 5:02:39
